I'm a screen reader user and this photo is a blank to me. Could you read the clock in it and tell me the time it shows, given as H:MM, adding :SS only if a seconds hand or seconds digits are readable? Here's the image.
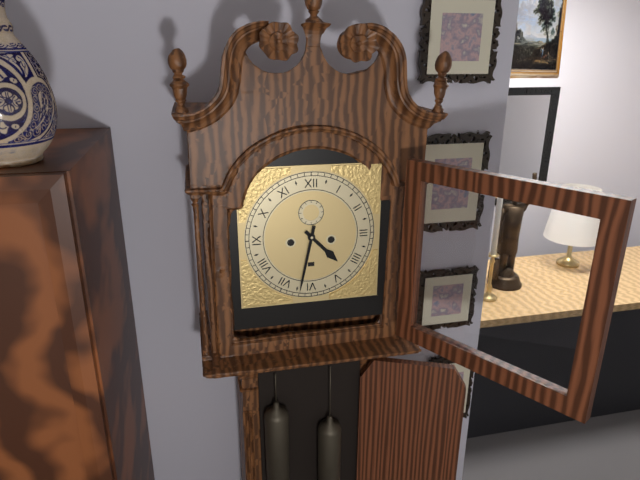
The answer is 4:32
